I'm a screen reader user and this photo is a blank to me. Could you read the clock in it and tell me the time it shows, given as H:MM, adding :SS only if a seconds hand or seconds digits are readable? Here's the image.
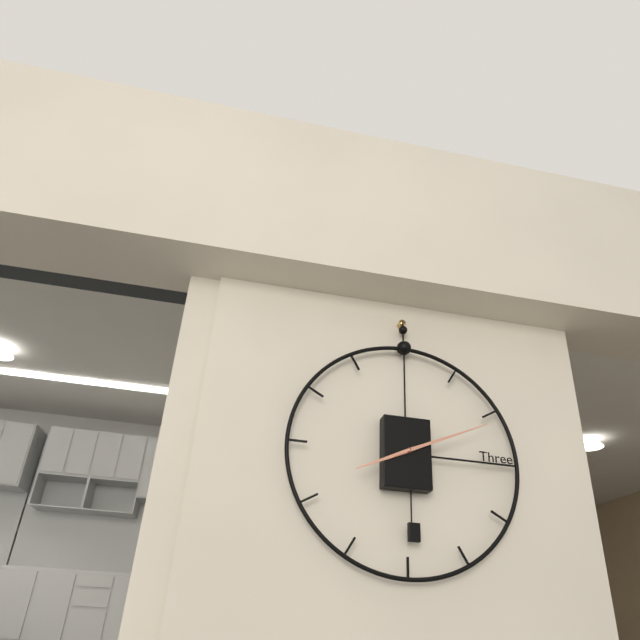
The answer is 8:11
